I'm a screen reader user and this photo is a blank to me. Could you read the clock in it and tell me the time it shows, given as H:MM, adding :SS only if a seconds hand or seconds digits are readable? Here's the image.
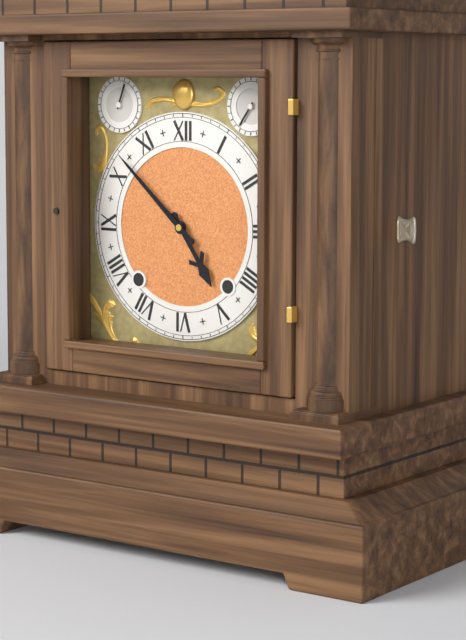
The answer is 4:52
